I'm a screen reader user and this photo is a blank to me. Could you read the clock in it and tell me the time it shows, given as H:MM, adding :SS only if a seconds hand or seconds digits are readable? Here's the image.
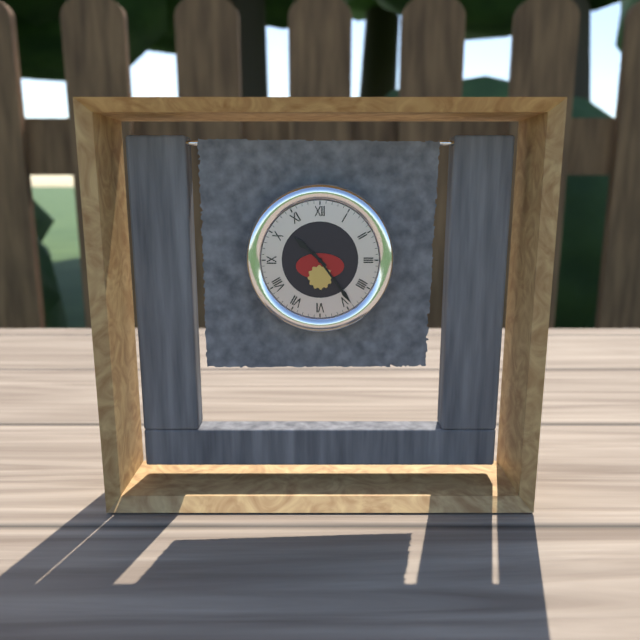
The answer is 10:24
